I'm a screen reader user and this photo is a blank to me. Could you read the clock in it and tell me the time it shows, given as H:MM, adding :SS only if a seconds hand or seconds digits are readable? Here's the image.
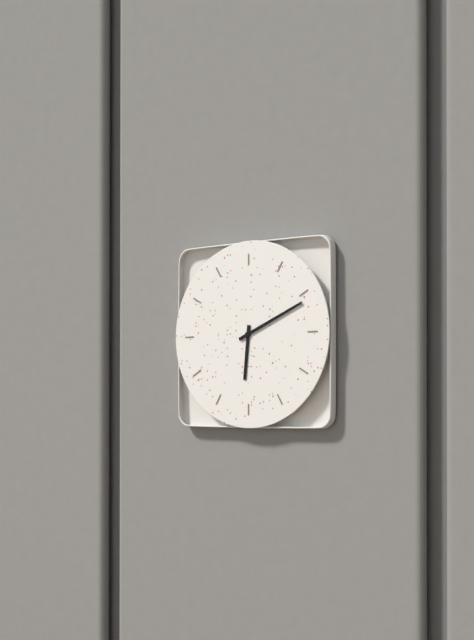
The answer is 6:11
